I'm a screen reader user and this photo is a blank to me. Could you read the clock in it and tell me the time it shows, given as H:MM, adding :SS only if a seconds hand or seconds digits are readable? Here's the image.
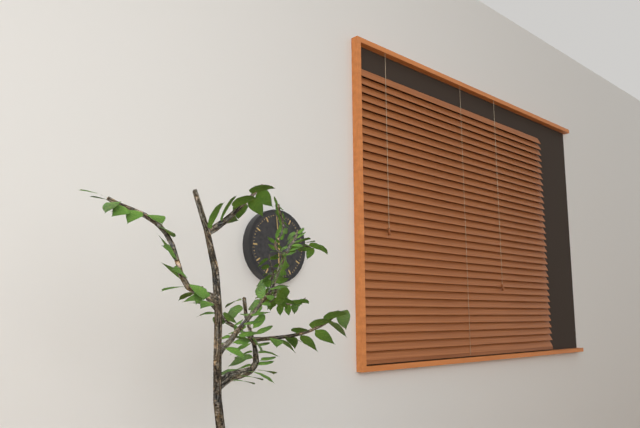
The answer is 5:59
